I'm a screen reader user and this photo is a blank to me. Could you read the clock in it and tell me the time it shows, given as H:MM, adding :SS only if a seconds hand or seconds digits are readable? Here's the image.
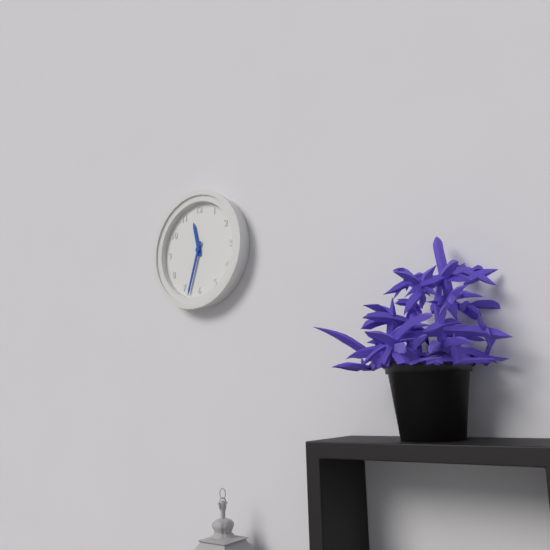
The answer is 11:33
